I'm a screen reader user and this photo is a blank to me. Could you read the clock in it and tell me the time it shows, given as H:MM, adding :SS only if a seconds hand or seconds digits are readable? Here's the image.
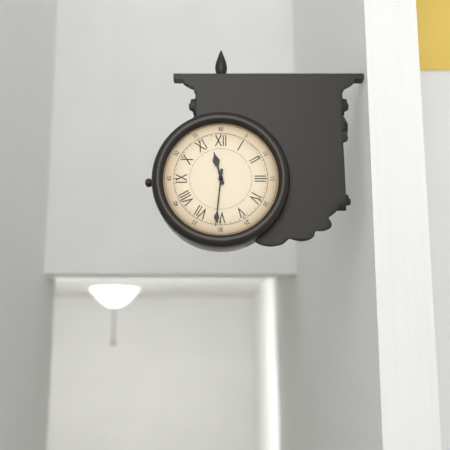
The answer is 11:31
